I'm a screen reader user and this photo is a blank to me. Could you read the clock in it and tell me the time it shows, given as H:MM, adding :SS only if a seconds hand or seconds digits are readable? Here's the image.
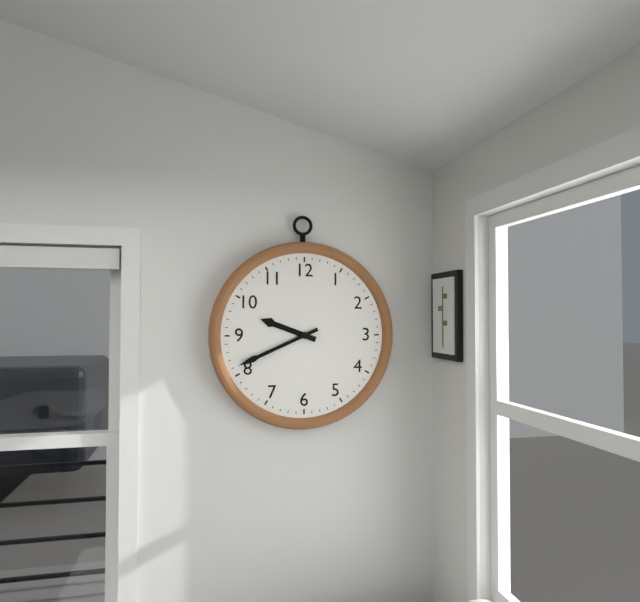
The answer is 9:41
